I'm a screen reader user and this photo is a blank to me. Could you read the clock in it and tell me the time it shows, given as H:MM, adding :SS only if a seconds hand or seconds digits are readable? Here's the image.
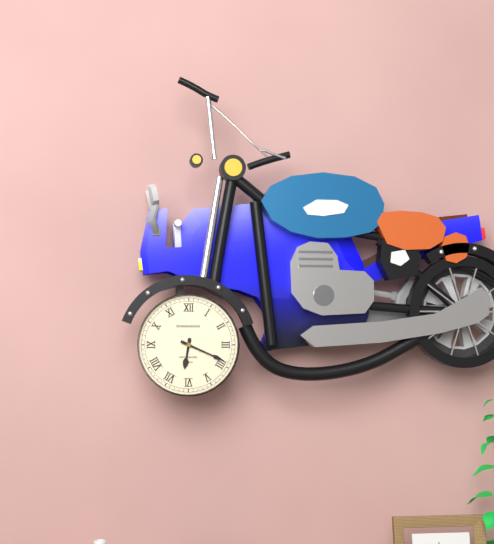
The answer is 6:19
